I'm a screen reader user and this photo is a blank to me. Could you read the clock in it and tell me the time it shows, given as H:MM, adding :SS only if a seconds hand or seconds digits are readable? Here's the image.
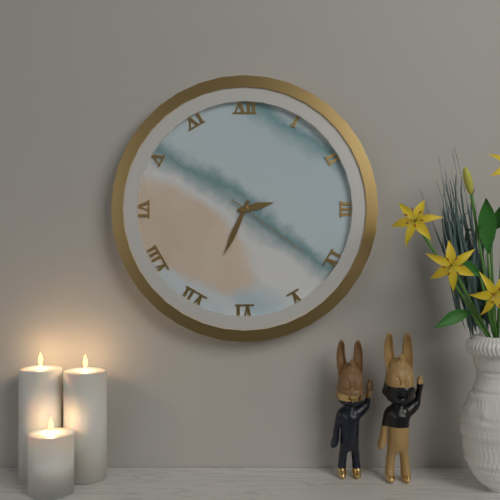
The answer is 2:34:21
